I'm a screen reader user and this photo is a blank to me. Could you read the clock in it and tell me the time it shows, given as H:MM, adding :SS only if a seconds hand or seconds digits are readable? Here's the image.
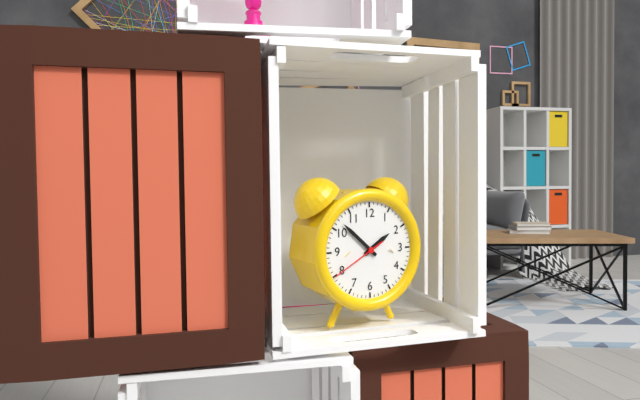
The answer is 1:52:40
